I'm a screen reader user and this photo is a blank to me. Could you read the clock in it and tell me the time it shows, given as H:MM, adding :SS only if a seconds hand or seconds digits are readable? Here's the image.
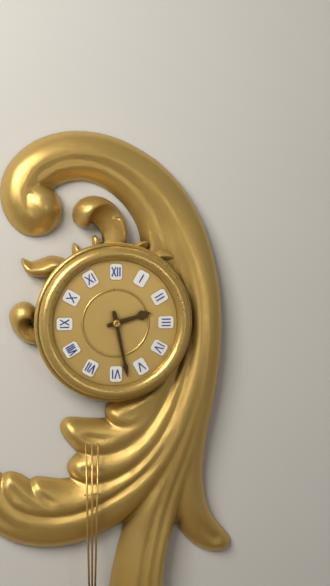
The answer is 2:28
